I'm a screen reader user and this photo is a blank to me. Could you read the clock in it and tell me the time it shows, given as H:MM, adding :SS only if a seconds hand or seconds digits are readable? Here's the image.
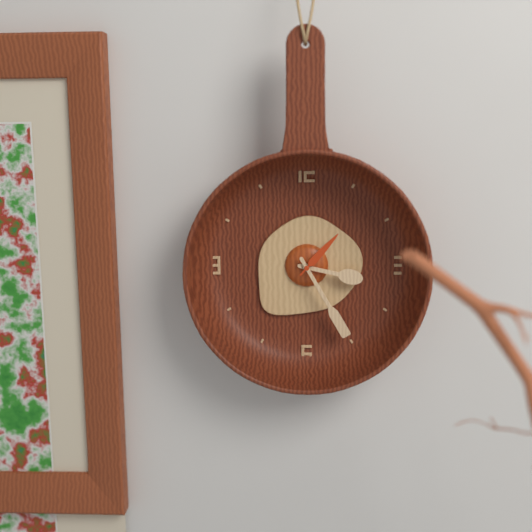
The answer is 3:25:07
